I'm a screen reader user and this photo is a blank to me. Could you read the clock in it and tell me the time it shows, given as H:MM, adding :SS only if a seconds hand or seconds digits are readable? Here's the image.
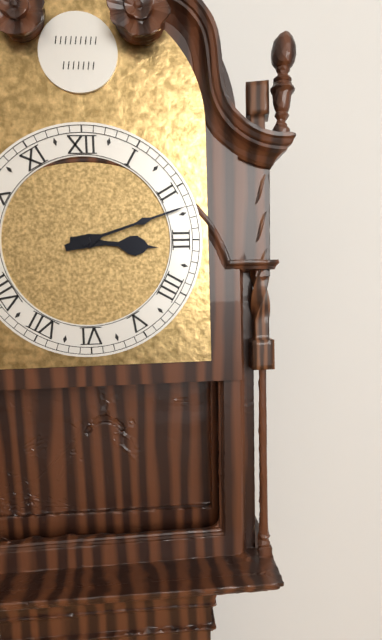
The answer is 3:12
